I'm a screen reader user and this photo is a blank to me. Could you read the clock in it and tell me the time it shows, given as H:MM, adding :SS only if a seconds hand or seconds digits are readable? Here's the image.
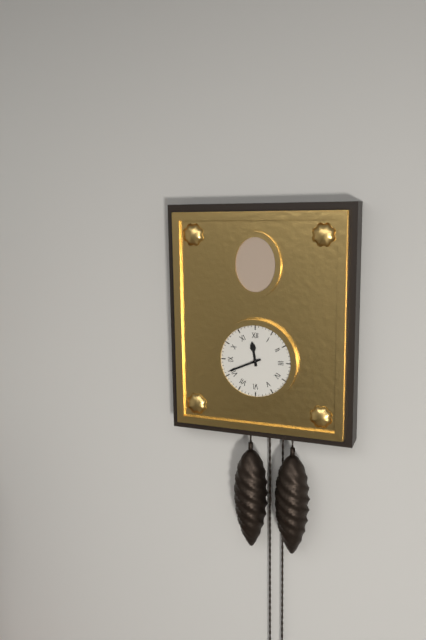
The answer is 11:41
